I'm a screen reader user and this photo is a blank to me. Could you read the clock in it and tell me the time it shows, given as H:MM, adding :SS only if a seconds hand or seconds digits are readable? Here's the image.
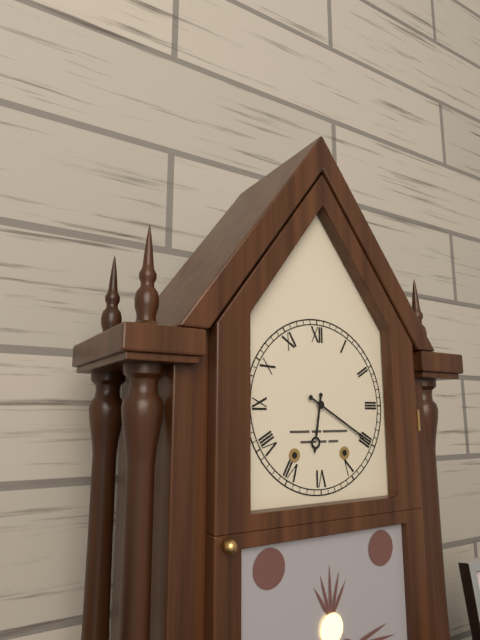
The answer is 6:20
